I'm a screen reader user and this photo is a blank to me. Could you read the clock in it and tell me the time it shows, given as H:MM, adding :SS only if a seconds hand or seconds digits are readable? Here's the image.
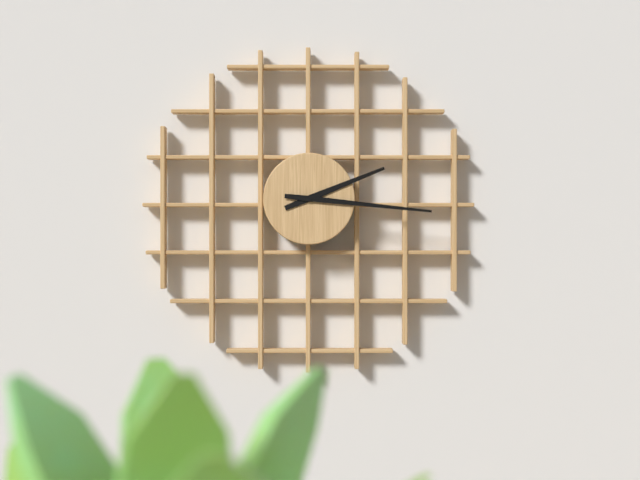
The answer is 2:16
